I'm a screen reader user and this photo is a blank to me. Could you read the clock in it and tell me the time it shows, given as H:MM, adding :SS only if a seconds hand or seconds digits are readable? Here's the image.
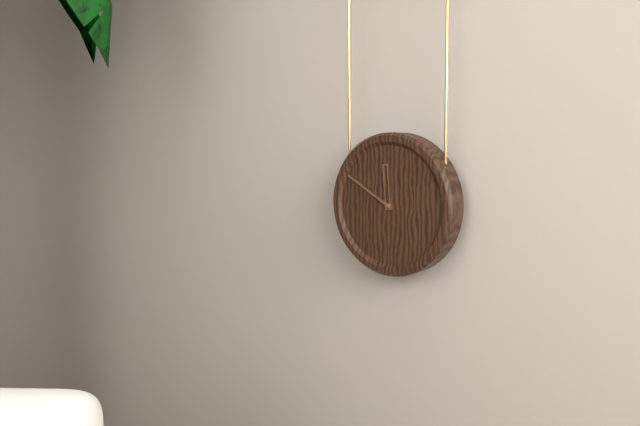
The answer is 11:50
